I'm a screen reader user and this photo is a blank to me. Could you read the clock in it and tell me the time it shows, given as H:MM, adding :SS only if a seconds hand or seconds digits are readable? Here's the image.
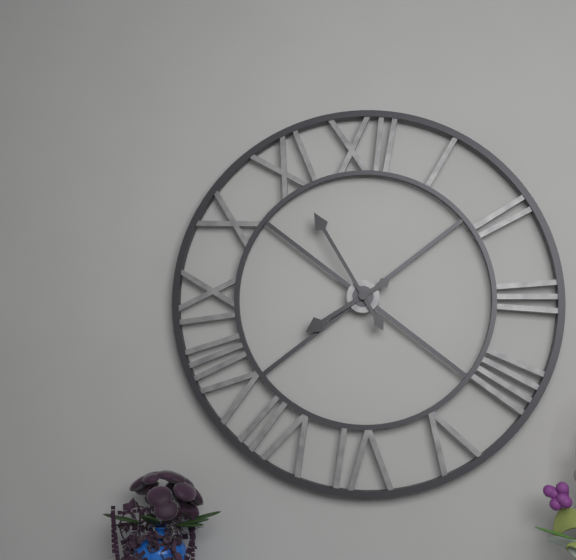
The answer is 7:55
